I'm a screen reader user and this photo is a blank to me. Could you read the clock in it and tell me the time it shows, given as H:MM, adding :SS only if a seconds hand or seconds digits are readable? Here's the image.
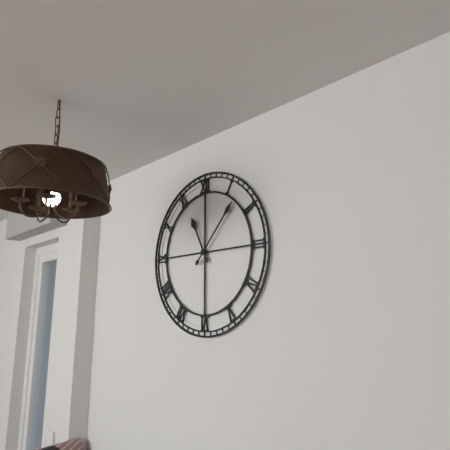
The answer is 11:07
